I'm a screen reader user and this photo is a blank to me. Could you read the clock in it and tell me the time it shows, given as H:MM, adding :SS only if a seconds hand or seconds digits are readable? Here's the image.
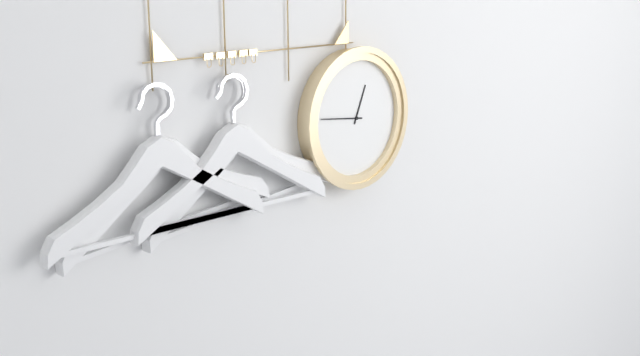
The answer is 12:46
